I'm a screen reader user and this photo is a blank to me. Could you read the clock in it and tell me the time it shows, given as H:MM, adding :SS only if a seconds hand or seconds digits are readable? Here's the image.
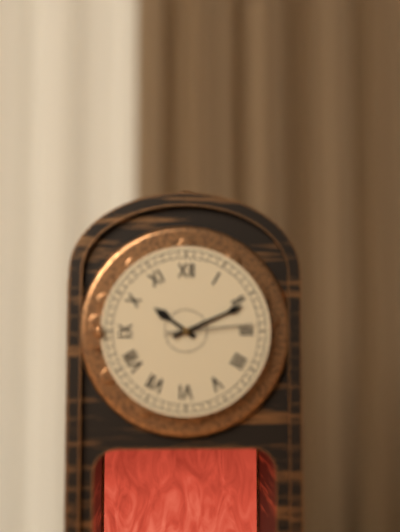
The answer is 10:11:14
